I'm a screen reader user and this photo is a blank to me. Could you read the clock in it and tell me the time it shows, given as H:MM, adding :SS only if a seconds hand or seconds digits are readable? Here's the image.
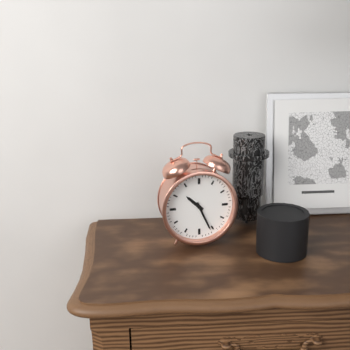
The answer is 10:26
